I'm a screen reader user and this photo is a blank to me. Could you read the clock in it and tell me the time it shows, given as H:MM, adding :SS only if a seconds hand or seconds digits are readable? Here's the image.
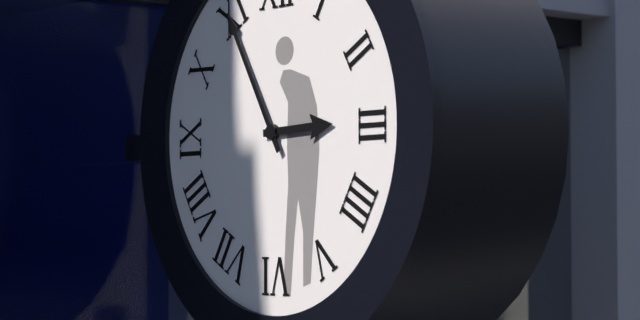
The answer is 2:55
